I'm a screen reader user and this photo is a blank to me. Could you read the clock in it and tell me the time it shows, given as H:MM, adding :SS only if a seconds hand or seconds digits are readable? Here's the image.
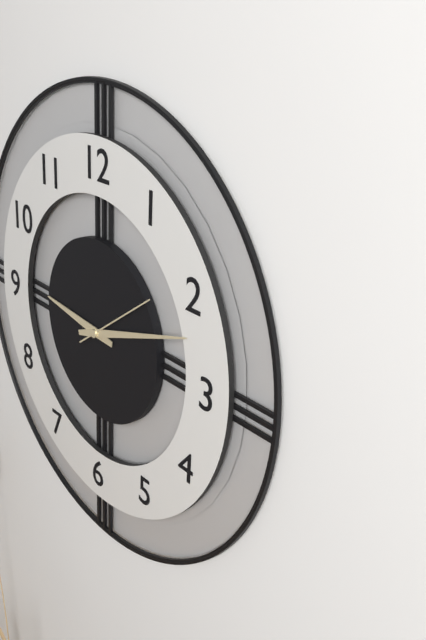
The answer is 9:12:09
